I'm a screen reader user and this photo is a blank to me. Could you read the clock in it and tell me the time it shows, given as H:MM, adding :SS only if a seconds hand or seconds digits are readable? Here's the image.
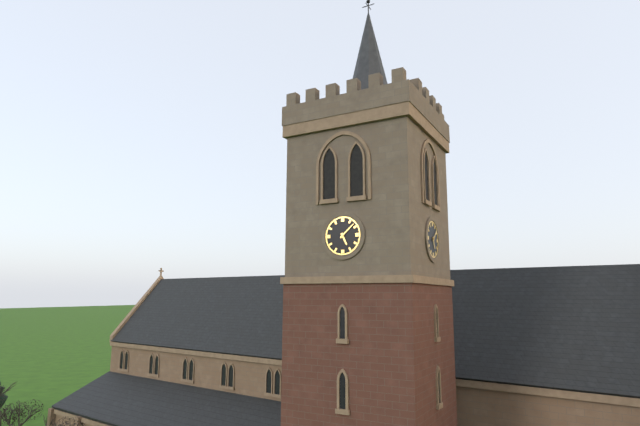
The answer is 5:08
